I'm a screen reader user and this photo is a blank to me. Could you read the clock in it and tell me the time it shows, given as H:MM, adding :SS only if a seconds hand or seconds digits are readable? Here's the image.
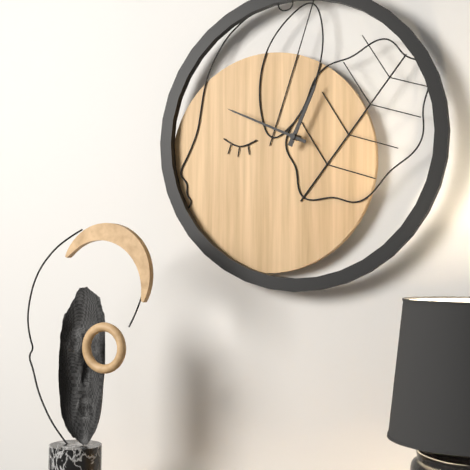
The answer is 12:49
